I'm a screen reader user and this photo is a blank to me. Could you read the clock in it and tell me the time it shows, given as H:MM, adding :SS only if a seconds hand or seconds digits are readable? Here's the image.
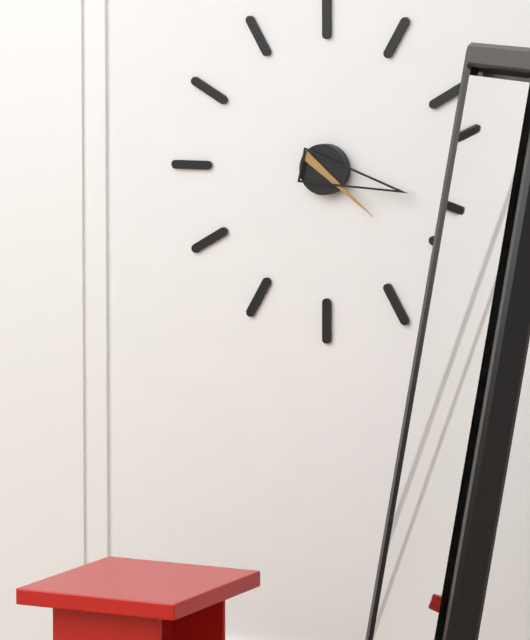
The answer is 4:17
